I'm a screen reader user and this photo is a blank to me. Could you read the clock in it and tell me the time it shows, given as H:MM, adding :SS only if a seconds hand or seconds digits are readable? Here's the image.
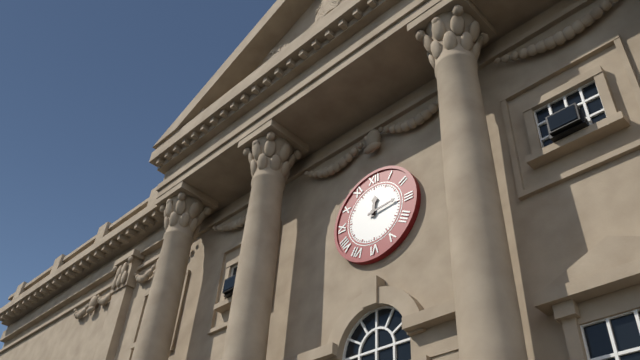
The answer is 12:14
